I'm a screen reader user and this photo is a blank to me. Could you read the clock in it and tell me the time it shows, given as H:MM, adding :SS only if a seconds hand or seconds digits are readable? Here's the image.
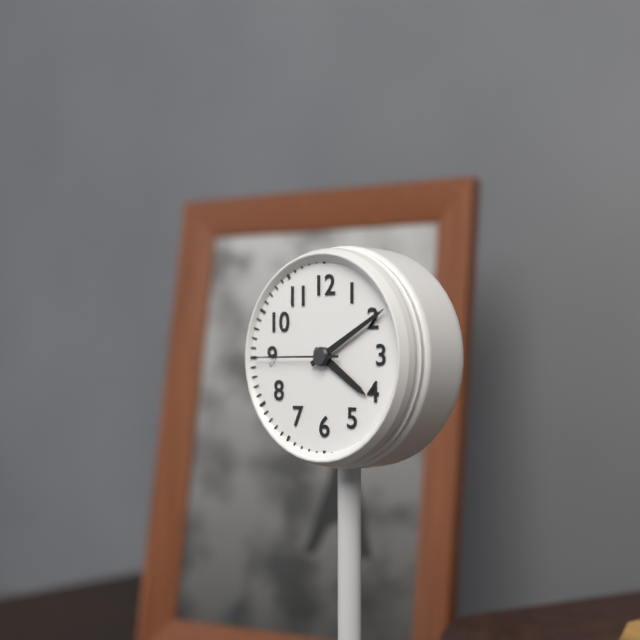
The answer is 4:10:45
